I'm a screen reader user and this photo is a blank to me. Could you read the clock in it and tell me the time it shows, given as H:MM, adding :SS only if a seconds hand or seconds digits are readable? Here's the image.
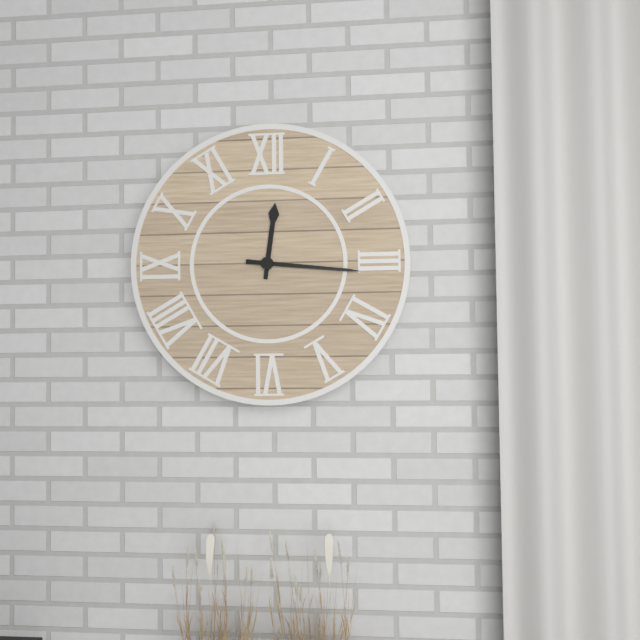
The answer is 12:16
